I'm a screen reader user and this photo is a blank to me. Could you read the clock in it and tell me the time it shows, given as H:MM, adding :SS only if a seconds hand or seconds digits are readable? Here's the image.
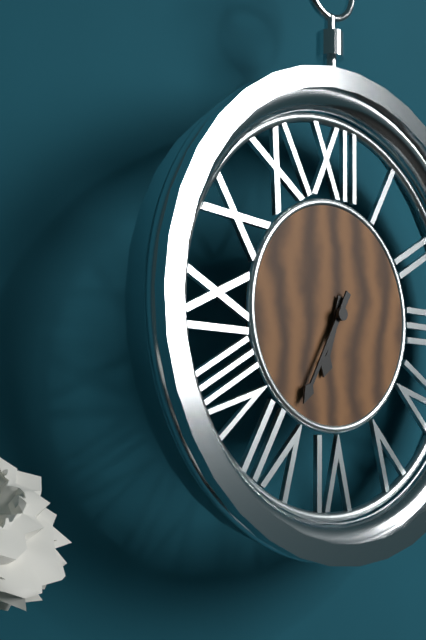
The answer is 6:35
